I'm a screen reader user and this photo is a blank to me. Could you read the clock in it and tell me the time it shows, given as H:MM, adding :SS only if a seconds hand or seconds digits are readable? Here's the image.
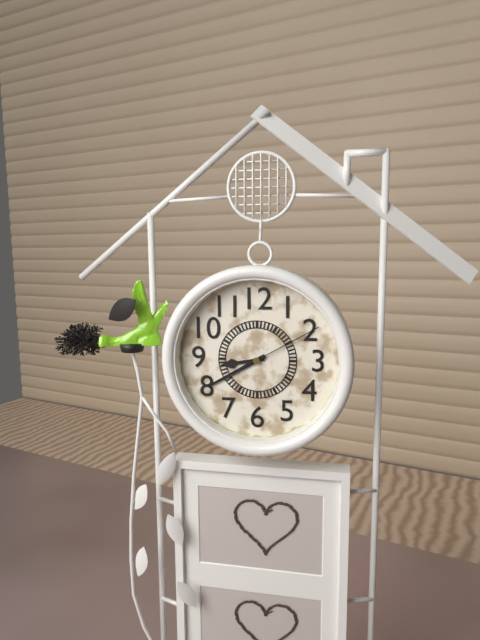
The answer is 8:40:10
